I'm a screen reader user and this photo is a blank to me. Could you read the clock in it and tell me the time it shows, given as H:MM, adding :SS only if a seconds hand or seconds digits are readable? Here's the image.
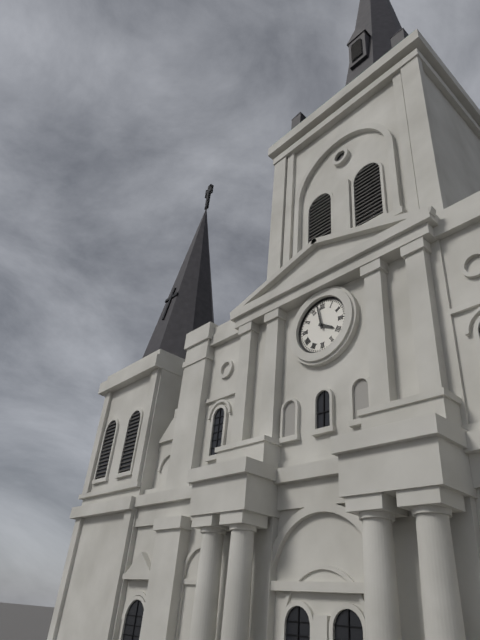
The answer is 3:58
